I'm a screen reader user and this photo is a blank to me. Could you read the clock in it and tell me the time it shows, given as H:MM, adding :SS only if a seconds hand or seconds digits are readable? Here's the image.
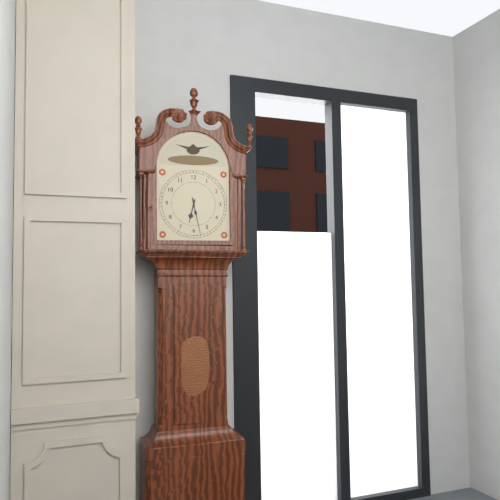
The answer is 6:28
